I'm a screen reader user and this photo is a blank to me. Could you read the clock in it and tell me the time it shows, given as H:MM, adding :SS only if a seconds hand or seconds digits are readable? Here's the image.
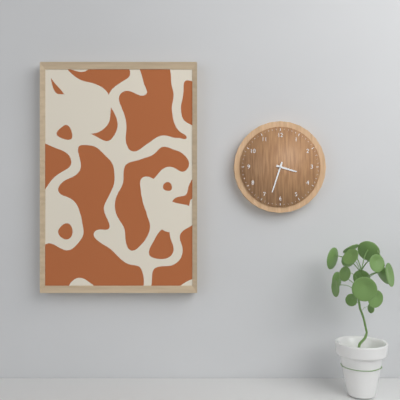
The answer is 3:33
